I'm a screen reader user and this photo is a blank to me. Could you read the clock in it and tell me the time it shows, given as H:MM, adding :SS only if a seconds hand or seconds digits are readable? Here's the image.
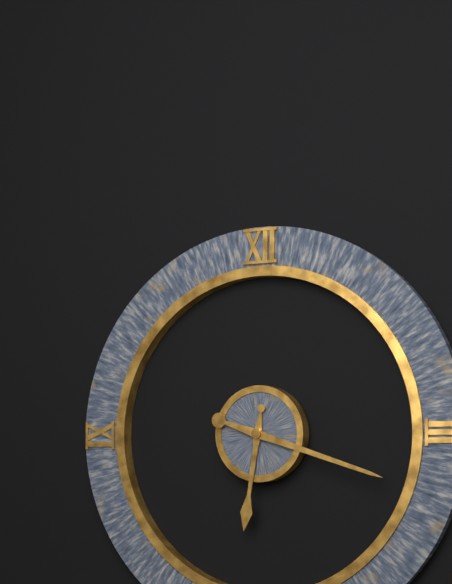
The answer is 6:18
